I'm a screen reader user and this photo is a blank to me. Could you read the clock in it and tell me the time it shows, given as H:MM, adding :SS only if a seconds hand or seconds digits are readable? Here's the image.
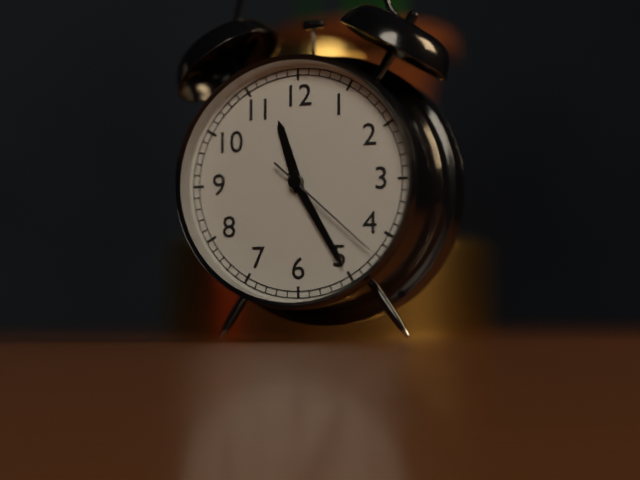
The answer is 11:25:22
